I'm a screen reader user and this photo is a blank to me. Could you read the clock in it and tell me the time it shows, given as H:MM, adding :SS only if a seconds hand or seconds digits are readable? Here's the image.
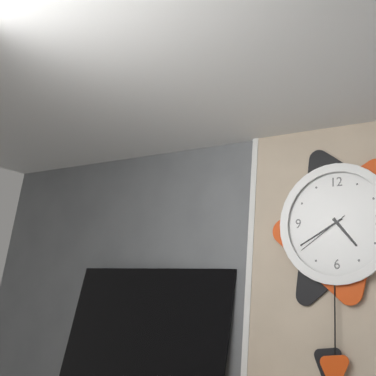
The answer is 4:40:39
